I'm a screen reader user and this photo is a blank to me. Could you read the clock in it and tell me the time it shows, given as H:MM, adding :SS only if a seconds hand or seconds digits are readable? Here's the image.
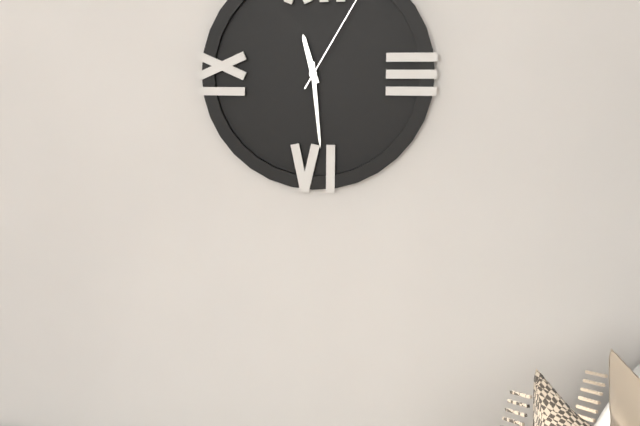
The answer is 11:29
